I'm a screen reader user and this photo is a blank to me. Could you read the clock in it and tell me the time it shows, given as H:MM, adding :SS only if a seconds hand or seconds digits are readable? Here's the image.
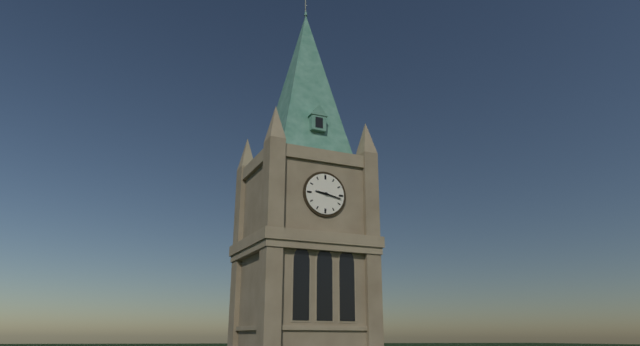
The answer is 9:17
